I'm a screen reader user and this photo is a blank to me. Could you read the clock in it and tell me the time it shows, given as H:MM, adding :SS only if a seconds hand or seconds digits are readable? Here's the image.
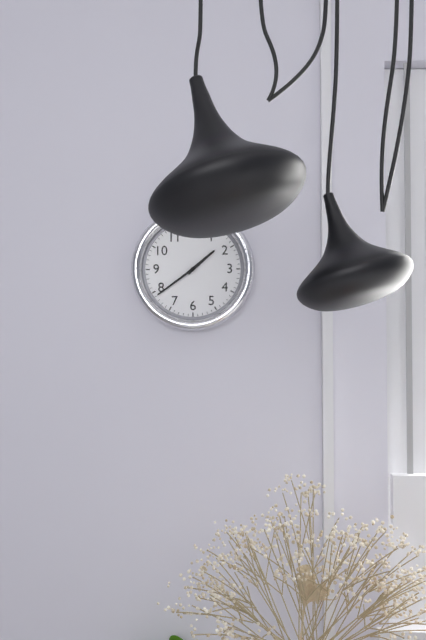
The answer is 1:39
